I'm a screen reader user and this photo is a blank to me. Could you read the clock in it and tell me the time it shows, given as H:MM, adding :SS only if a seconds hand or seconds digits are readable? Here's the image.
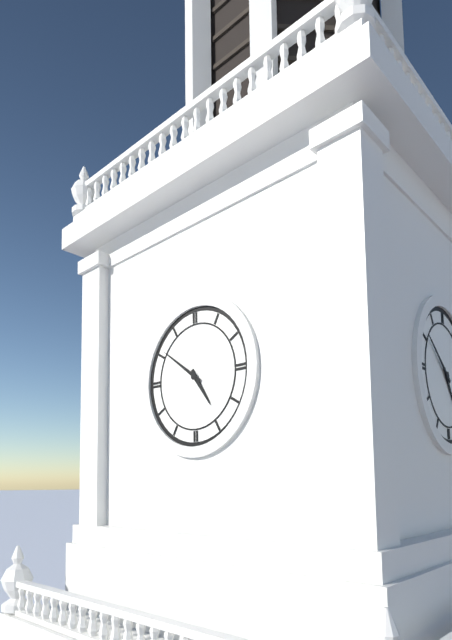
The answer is 4:51
